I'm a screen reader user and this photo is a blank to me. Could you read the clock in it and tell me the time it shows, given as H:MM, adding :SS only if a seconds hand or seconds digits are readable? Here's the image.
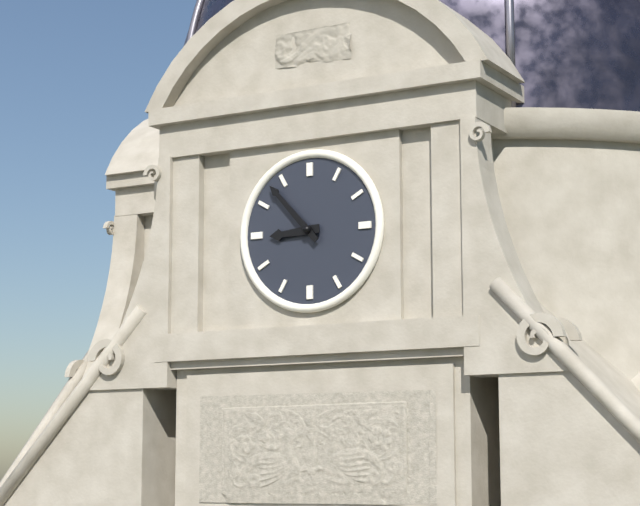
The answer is 8:53
